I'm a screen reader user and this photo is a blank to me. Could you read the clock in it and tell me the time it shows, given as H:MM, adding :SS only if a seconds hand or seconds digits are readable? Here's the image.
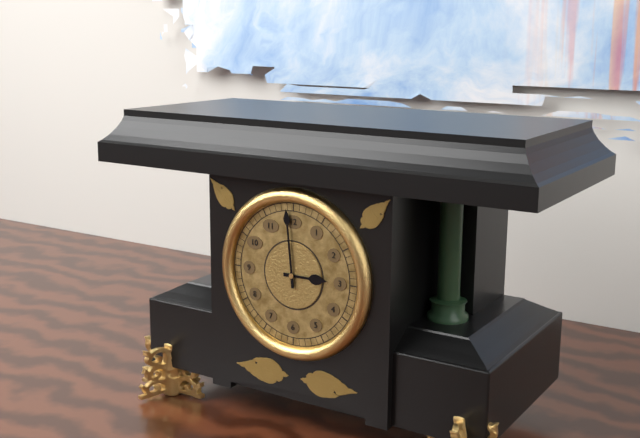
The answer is 2:59
